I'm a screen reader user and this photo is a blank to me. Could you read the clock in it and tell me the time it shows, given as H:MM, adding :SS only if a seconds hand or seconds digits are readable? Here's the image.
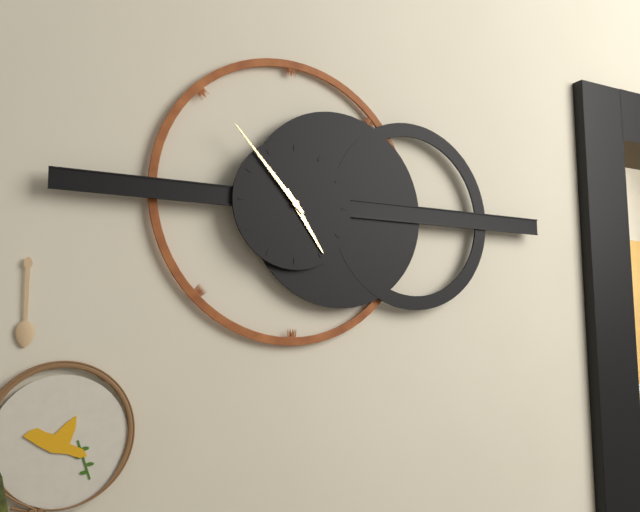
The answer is 4:53
